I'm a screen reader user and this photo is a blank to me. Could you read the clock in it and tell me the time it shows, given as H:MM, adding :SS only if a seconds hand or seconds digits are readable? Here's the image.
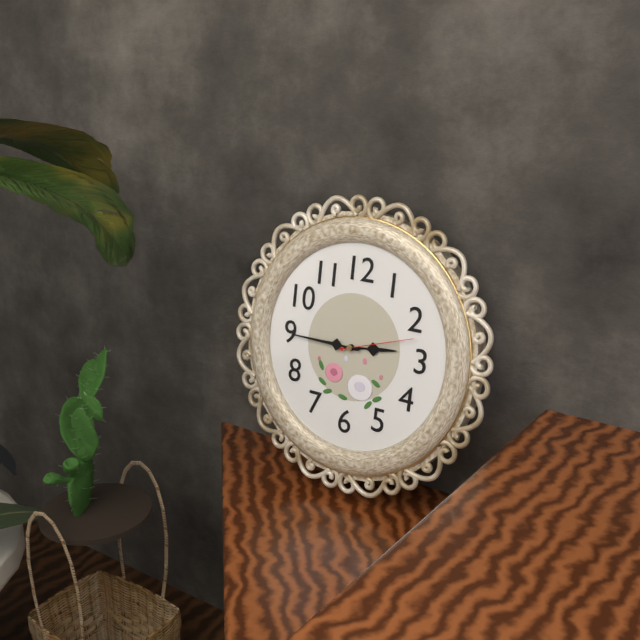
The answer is 2:45:12
